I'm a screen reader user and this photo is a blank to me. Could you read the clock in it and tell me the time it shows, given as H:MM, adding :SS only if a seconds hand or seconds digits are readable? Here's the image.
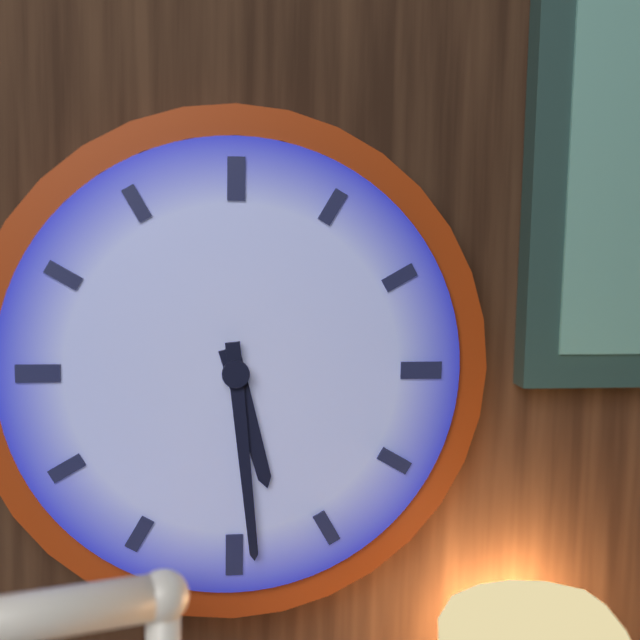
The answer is 5:29
